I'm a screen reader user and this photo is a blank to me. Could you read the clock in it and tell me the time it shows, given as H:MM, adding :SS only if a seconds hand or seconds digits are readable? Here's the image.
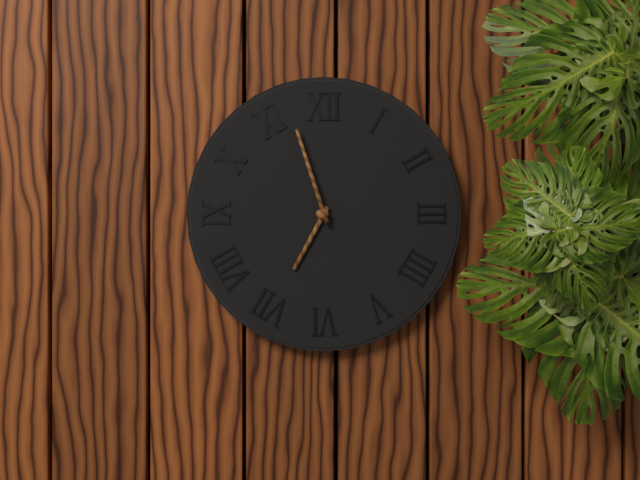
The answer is 6:57
